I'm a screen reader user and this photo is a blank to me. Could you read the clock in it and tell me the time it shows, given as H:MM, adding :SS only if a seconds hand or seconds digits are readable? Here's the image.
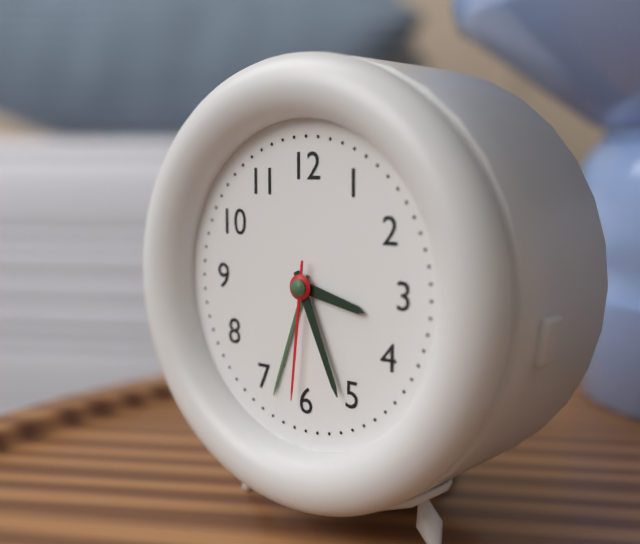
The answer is 3:26:31
